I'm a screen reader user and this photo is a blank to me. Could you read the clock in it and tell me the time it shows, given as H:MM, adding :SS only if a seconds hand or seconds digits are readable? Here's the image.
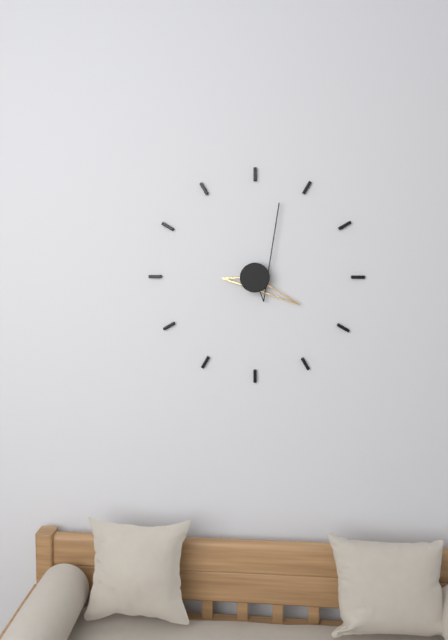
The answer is 4:03
